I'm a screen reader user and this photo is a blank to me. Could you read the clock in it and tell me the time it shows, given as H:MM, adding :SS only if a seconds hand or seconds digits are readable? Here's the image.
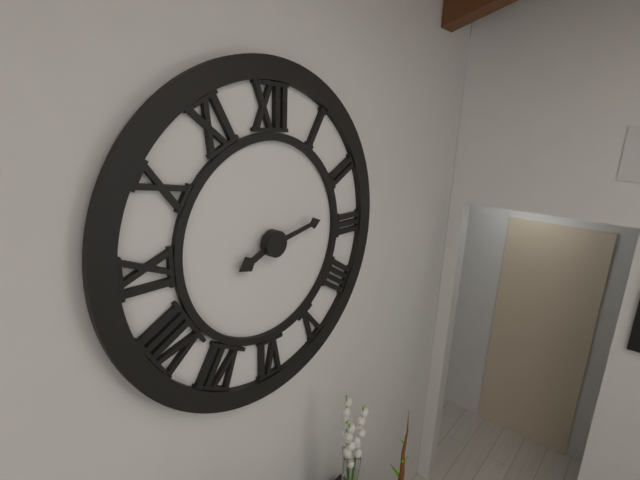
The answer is 8:13
